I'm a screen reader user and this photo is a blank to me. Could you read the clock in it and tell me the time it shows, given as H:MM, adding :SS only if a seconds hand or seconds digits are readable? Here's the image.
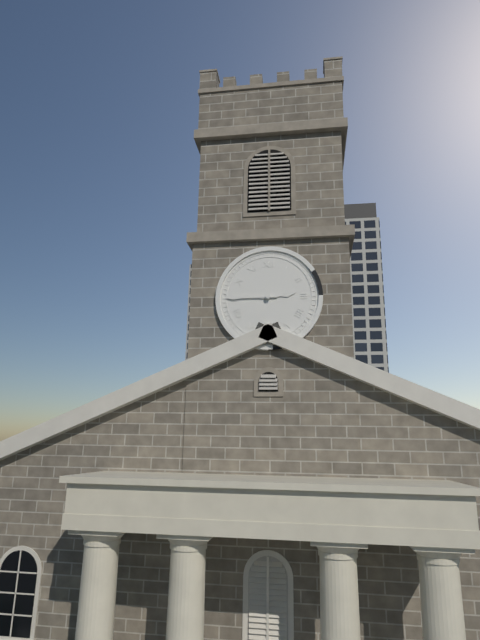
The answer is 2:45
